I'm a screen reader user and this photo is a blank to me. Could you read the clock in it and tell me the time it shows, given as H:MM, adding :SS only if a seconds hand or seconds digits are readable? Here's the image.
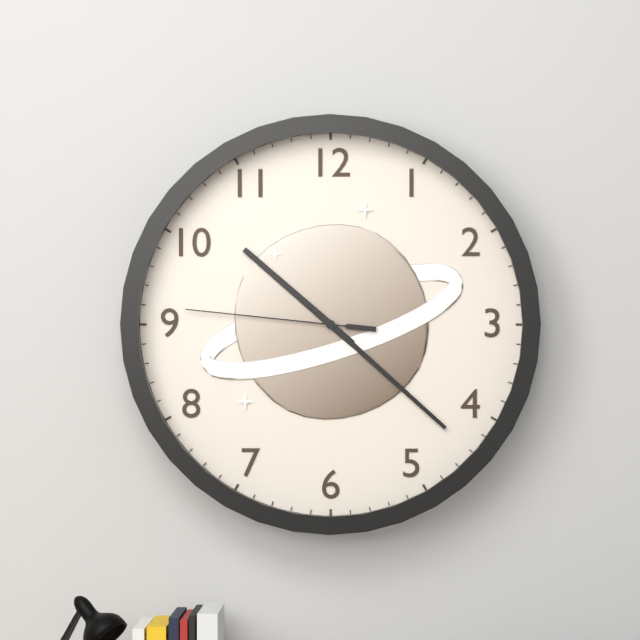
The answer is 10:22:46
